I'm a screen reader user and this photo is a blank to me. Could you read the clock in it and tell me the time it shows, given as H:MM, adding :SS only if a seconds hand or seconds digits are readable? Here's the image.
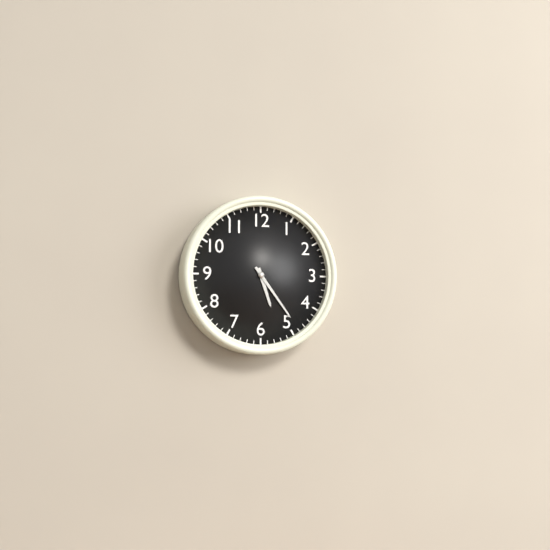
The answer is 5:24
